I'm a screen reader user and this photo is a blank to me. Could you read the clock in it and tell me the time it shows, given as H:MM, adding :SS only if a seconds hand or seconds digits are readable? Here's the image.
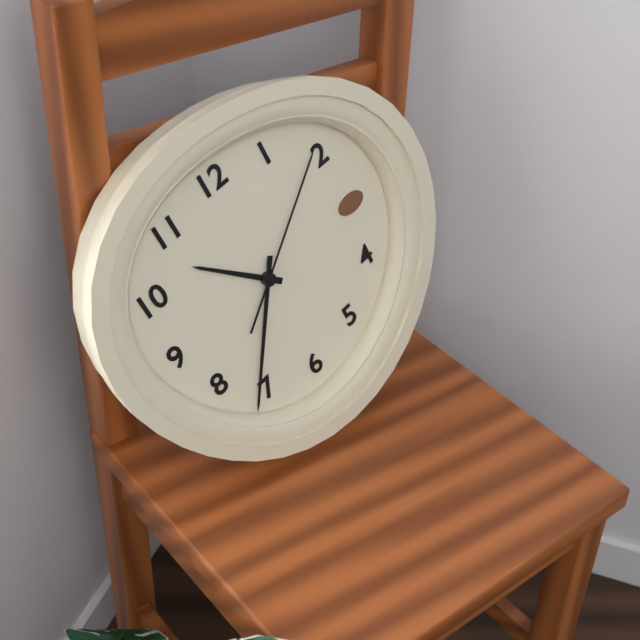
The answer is 10:36:09
